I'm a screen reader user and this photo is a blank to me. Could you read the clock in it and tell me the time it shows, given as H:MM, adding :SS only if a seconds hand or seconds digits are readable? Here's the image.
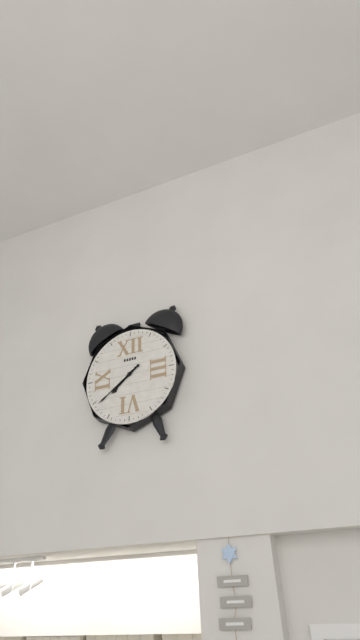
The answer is 7:39
